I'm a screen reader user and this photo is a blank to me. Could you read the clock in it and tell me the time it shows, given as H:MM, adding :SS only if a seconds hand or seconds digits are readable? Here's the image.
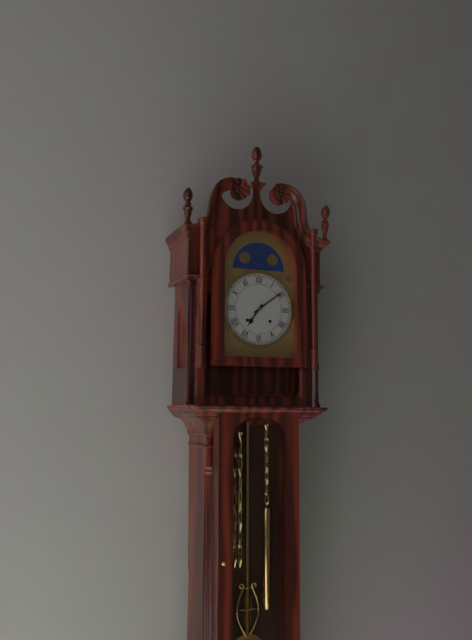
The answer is 7:09
